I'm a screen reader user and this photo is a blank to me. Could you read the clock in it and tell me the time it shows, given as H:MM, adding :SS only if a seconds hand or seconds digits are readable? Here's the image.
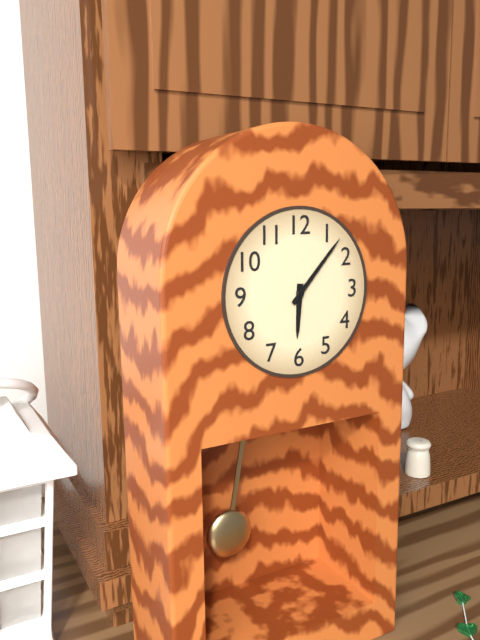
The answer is 6:07
